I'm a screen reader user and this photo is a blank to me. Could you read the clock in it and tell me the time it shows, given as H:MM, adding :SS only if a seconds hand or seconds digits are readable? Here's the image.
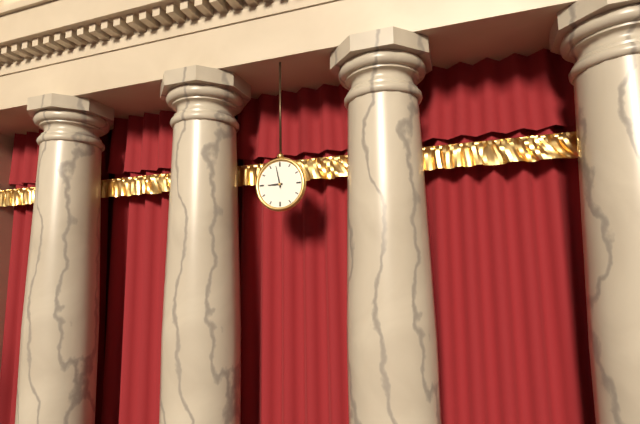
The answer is 8:58
